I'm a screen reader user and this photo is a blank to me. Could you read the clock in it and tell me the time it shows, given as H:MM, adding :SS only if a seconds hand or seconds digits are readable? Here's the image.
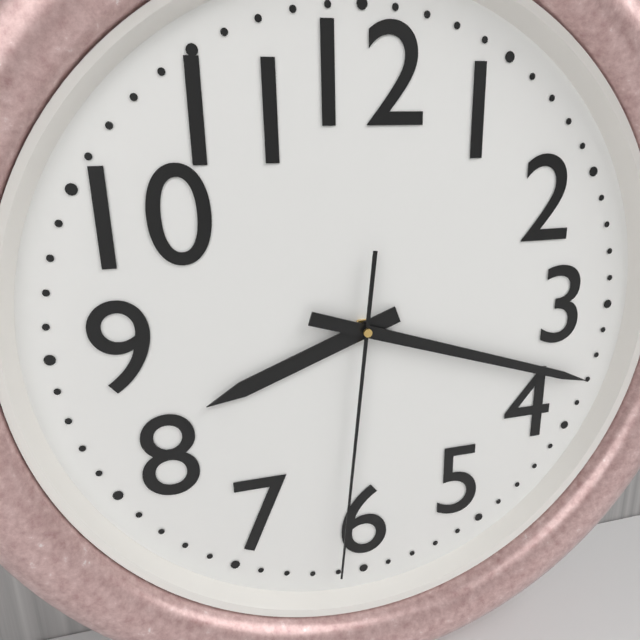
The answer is 8:18:31
